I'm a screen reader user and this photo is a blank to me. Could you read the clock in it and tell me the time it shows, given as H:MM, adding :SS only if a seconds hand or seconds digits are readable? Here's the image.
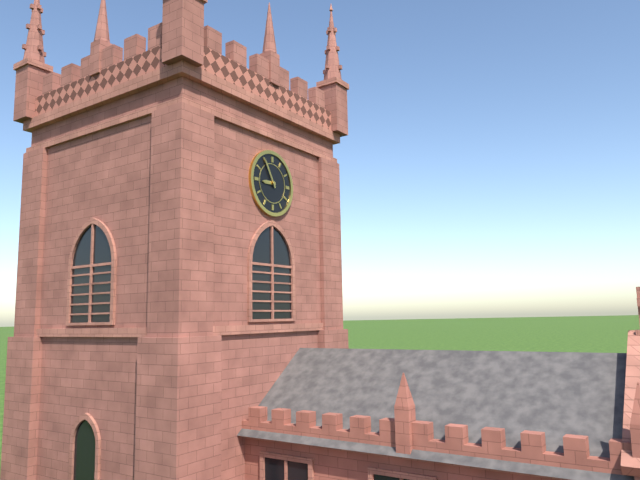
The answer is 8:55
